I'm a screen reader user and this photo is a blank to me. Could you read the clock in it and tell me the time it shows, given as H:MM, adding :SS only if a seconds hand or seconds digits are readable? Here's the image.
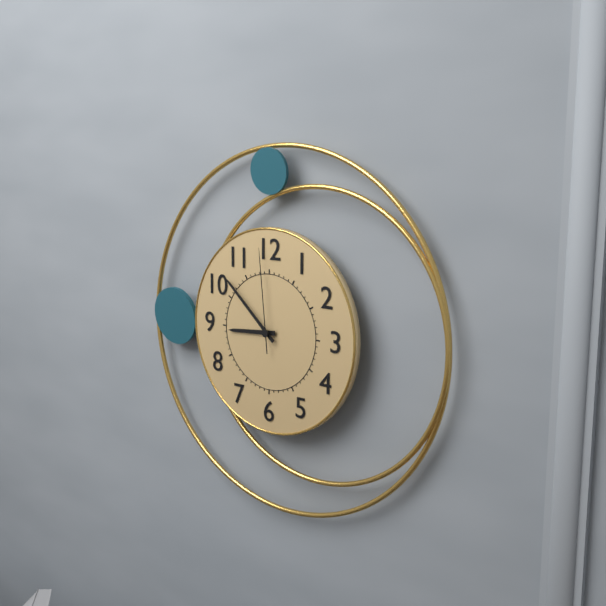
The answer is 8:52:59
